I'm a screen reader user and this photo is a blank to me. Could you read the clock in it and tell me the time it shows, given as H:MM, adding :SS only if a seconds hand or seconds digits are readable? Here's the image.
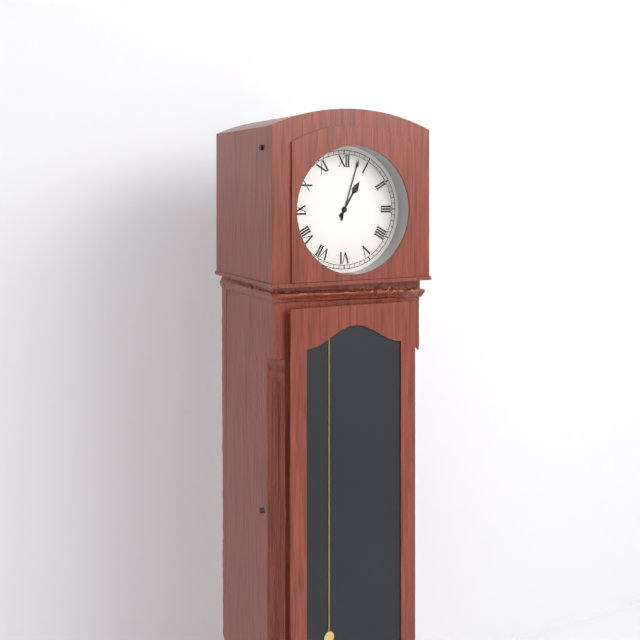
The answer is 1:03
